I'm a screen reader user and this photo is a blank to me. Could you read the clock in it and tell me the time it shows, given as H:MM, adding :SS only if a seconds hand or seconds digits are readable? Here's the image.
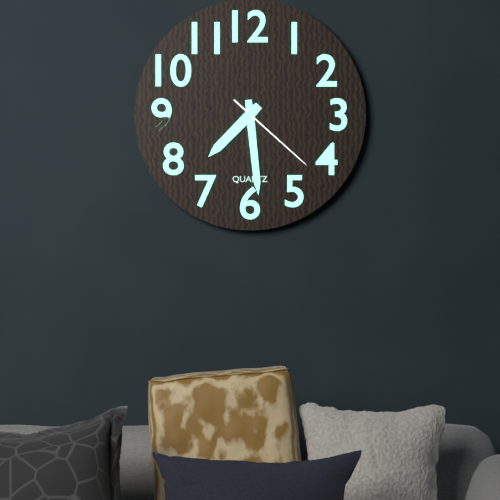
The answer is 7:29:22
